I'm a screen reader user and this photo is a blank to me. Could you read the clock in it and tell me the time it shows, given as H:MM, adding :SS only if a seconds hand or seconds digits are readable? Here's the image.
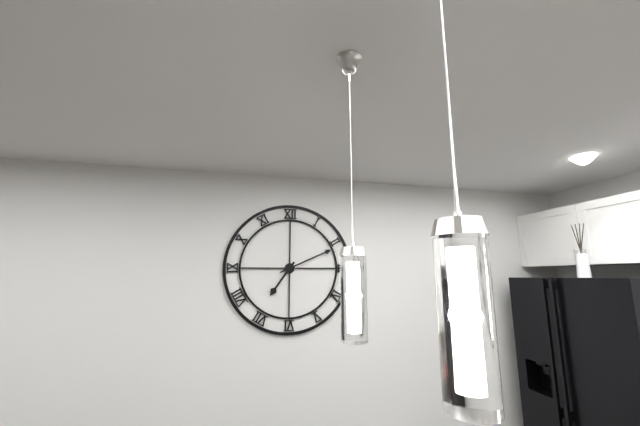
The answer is 7:11
